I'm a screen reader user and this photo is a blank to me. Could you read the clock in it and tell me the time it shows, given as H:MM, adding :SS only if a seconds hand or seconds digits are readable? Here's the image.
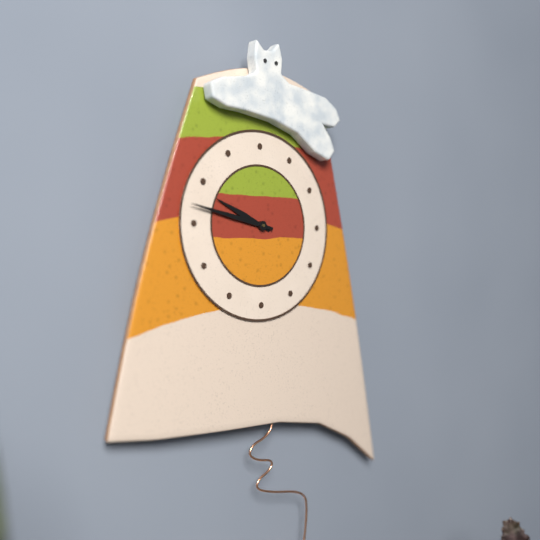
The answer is 9:47
